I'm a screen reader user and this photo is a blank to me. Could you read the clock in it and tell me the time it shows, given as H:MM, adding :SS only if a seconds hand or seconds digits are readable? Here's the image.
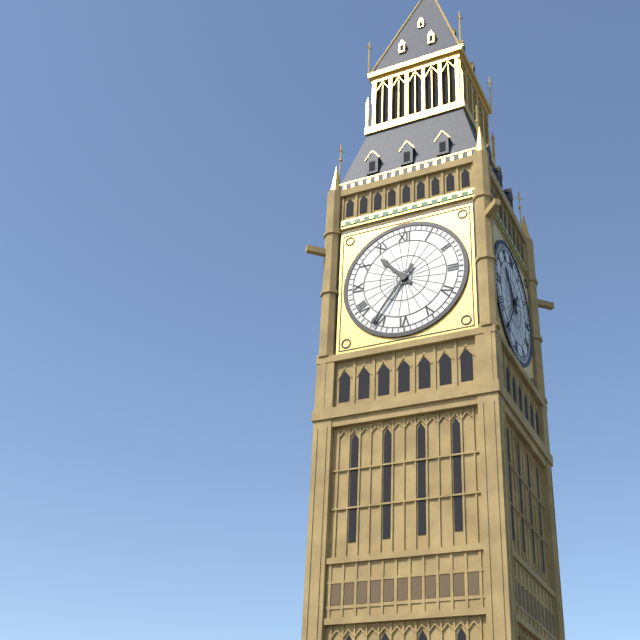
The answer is 10:36
